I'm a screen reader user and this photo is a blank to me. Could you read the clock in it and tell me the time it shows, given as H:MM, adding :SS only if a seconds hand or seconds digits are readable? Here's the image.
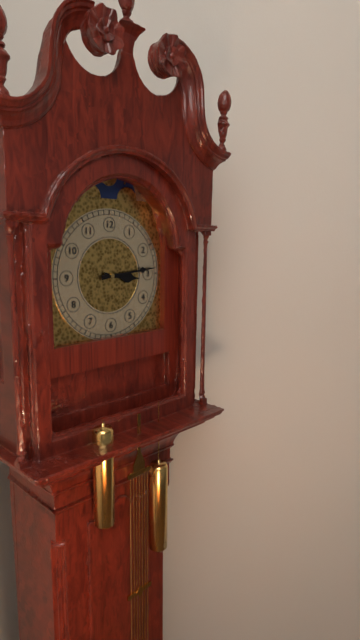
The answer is 3:14
